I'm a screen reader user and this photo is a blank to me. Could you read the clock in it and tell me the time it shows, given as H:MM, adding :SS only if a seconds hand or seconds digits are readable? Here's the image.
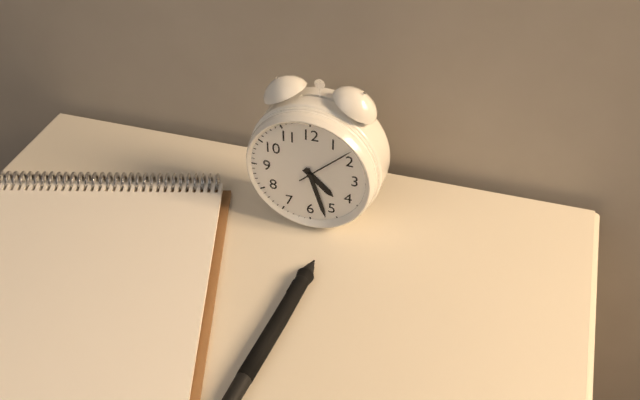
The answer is 4:27:08
